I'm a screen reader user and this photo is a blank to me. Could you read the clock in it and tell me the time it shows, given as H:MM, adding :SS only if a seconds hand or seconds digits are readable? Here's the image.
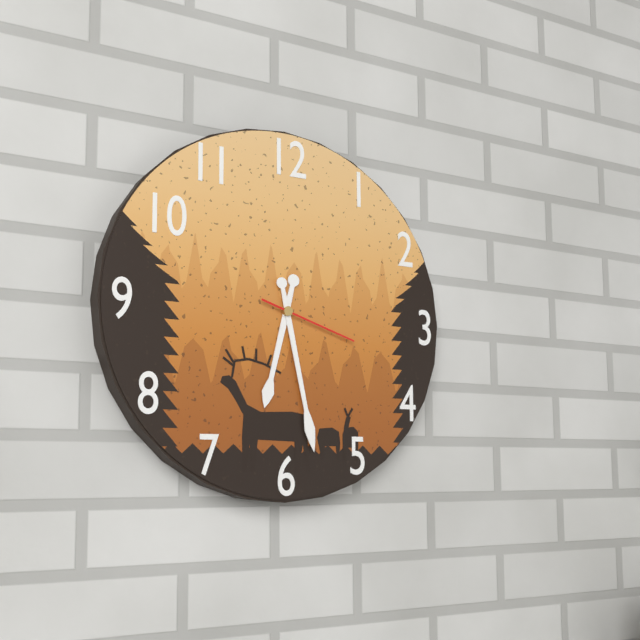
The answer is 6:28:18
